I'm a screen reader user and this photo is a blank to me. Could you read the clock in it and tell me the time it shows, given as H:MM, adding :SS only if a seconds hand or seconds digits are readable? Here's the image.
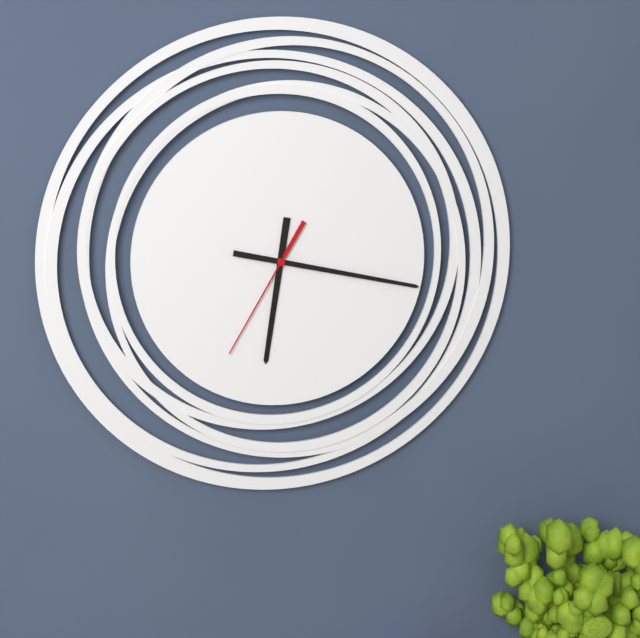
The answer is 6:17:35
